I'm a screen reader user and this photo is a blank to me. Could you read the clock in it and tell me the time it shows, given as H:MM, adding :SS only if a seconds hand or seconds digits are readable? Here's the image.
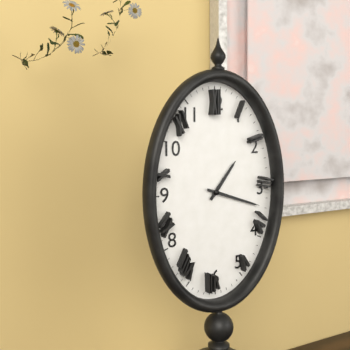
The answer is 1:18
